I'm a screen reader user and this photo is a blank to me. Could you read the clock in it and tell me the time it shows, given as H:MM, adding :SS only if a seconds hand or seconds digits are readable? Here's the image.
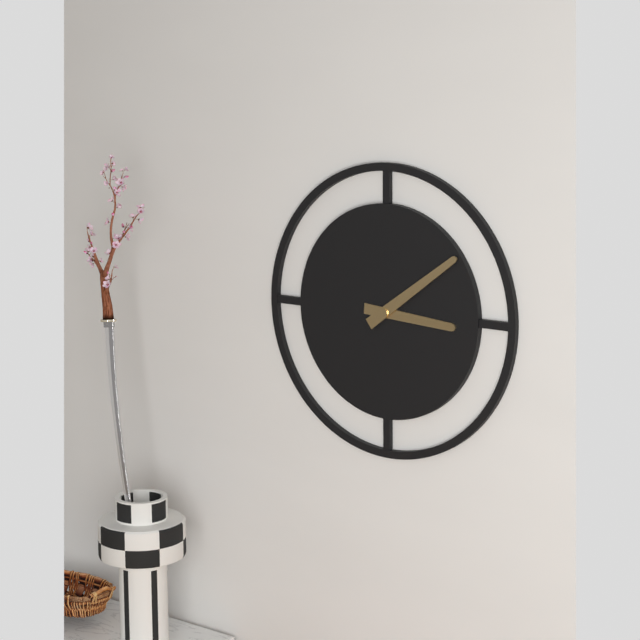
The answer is 3:09
